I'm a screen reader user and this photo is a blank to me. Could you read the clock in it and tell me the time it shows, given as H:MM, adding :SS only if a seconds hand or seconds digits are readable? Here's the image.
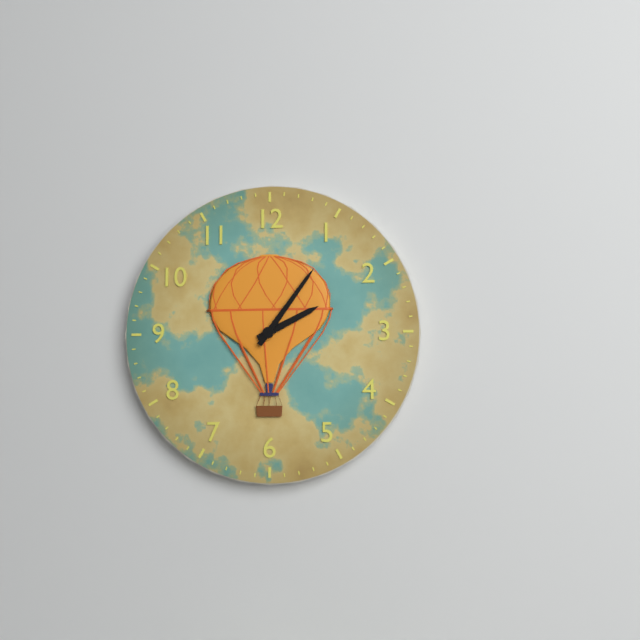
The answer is 2:06
